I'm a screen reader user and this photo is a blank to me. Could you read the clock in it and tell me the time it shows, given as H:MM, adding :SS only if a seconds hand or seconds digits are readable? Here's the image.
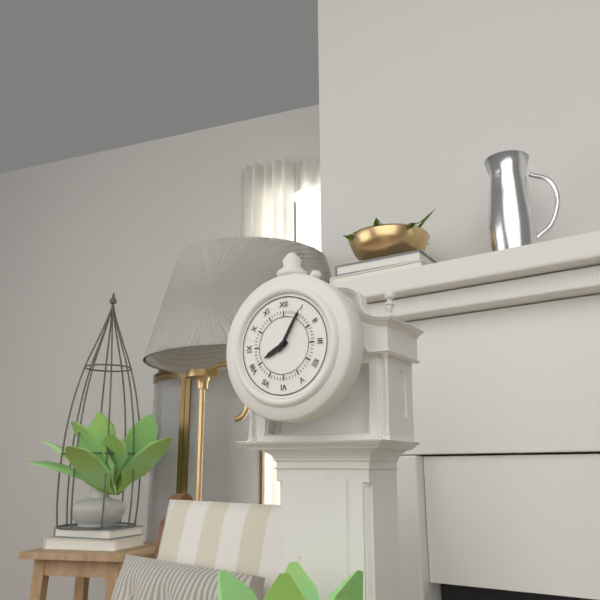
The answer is 8:05
